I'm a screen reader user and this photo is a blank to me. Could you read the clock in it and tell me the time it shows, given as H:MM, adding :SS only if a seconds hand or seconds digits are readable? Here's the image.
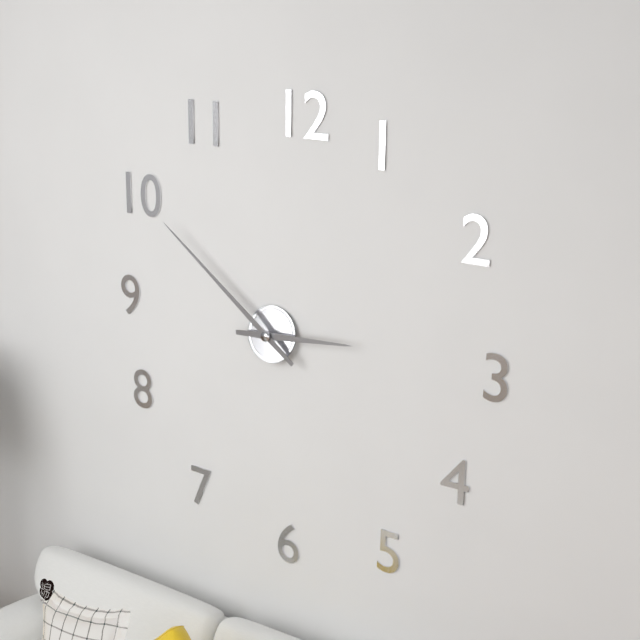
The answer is 2:51
